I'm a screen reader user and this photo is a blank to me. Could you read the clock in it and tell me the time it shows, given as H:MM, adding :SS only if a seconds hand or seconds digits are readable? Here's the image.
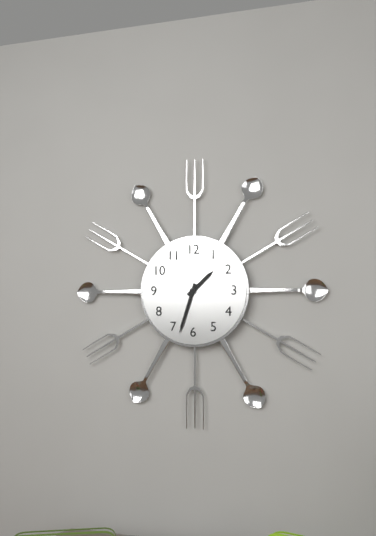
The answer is 1:33
